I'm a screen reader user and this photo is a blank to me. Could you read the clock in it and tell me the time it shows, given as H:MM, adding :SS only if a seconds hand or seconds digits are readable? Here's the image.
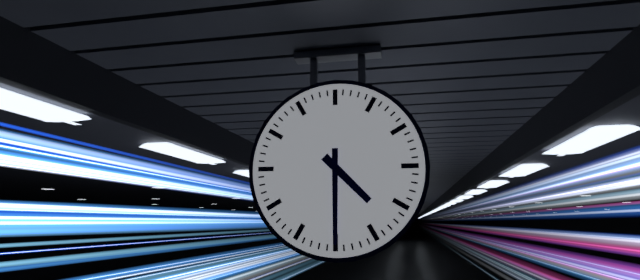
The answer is 4:30
